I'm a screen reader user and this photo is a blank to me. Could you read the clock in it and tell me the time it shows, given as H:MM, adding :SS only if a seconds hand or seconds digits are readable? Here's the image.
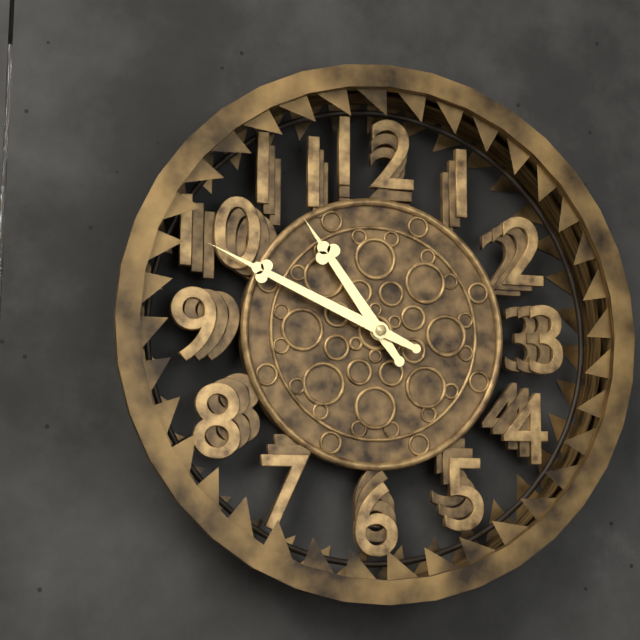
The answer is 10:49
